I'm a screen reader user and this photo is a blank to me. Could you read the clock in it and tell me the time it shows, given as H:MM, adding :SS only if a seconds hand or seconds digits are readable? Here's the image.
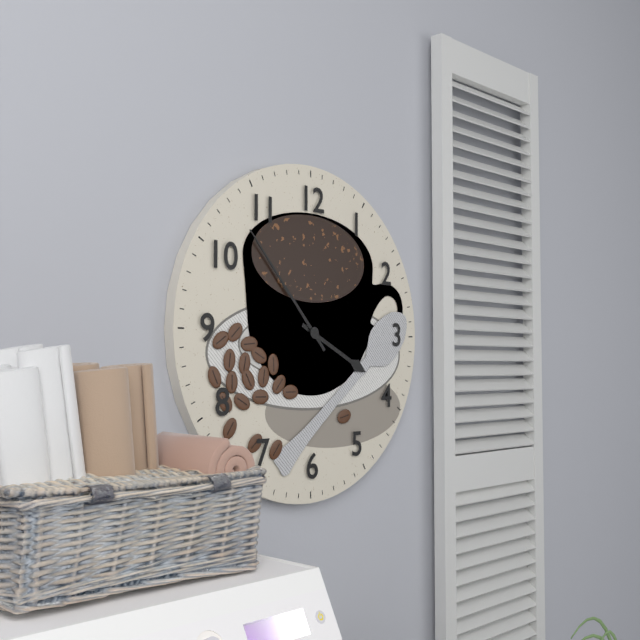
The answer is 3:53
